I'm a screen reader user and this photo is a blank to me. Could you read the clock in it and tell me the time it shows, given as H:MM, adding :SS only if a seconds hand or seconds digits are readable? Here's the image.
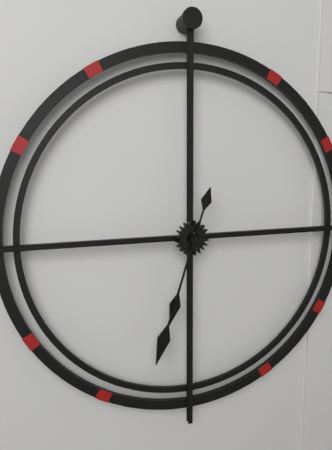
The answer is 6:33
